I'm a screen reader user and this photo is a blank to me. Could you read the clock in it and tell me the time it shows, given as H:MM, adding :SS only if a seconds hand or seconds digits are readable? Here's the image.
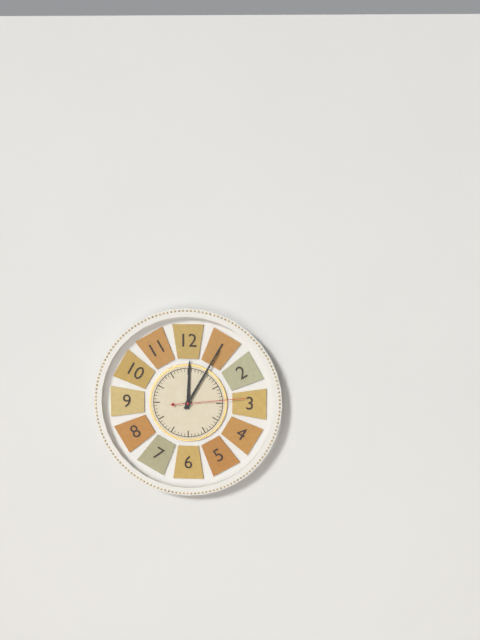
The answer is 12:05:14
